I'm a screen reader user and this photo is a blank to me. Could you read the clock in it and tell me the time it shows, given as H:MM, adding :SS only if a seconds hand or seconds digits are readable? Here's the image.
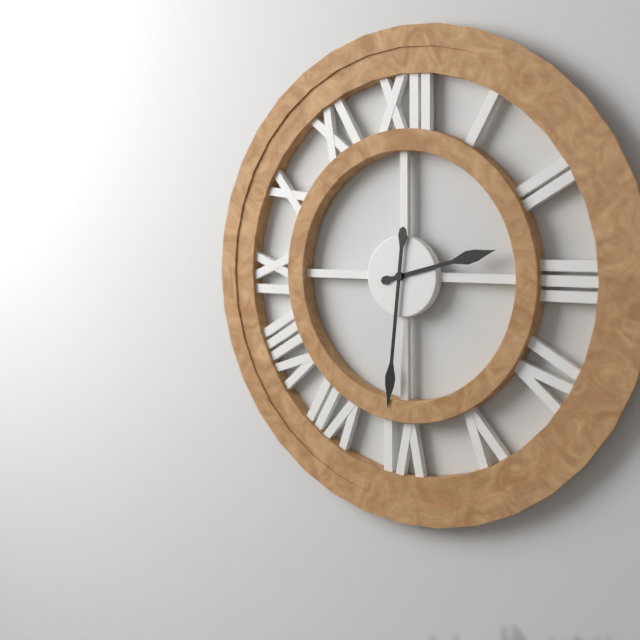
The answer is 2:31
